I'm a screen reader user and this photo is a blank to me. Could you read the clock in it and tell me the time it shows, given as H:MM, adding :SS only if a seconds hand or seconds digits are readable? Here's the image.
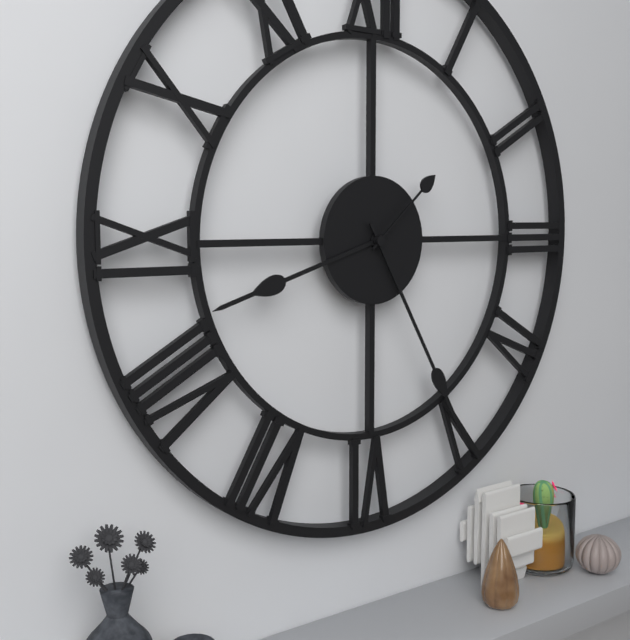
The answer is 8:25:08
